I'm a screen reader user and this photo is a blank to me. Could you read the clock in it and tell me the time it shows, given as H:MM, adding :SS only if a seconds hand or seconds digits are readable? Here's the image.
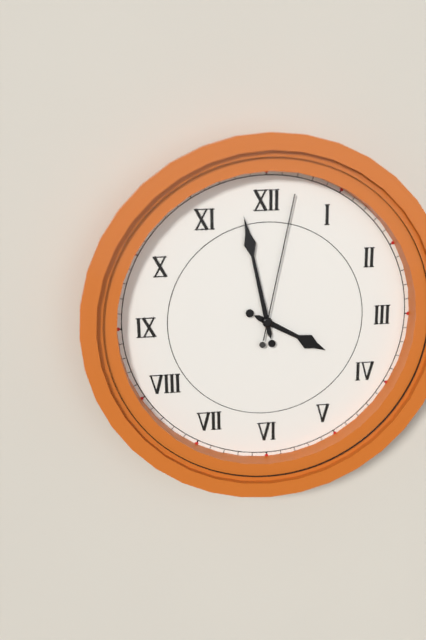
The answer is 3:58:02
